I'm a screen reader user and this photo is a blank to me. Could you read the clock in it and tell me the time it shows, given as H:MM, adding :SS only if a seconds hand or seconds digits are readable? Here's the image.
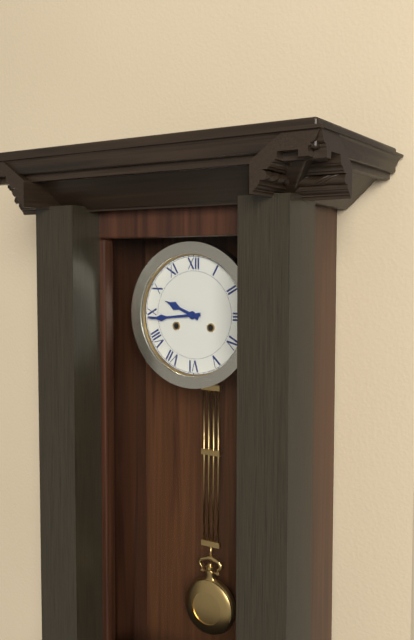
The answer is 9:44
